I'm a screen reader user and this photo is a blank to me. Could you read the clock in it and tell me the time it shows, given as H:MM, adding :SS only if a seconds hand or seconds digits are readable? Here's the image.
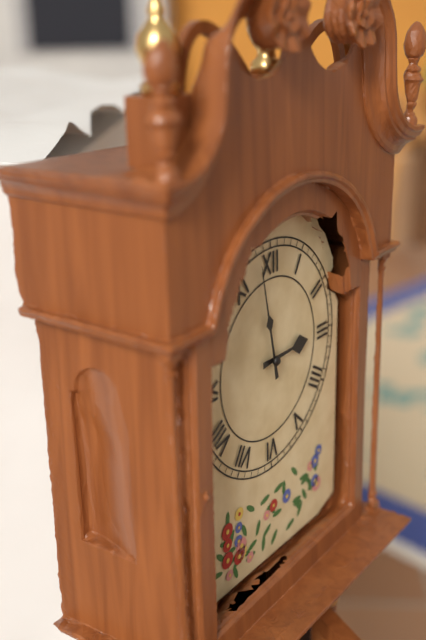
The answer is 2:58
